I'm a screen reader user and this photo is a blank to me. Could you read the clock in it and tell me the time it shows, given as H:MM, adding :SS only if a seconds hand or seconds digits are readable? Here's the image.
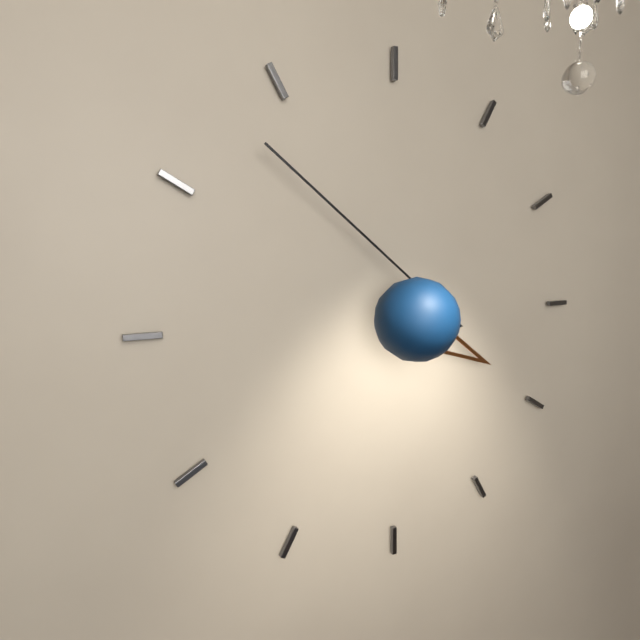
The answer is 3:53
